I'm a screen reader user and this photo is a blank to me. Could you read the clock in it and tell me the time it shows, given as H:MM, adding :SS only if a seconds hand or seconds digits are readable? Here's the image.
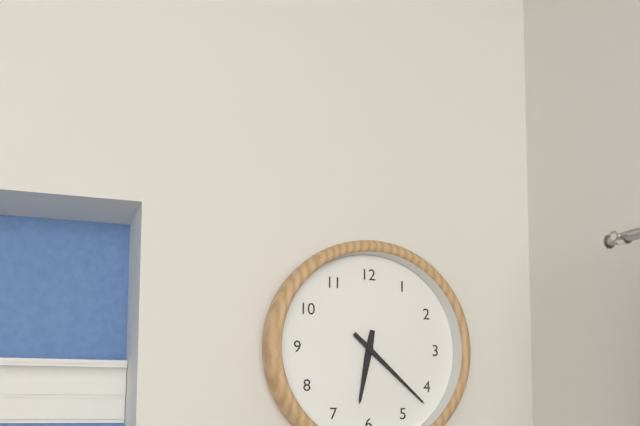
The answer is 6:22
